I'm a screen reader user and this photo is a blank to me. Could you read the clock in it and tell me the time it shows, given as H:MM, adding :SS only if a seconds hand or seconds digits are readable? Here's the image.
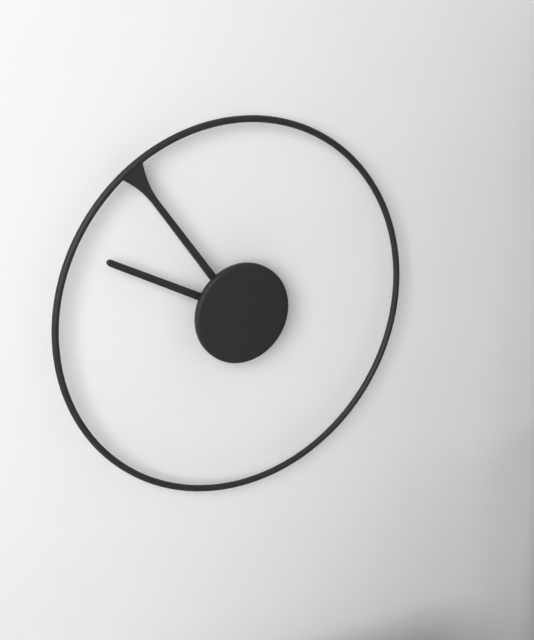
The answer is 9:54
